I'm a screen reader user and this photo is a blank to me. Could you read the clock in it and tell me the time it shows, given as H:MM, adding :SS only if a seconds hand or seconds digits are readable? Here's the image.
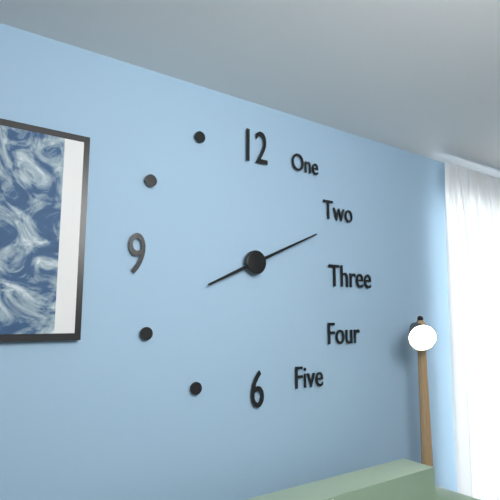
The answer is 8:11
